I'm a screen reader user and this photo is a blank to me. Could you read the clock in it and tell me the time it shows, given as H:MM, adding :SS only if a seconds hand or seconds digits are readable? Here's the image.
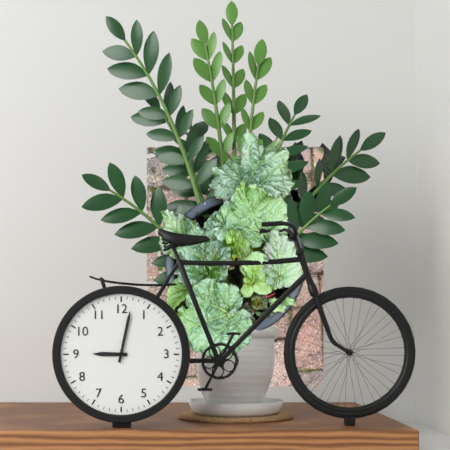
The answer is 9:02
